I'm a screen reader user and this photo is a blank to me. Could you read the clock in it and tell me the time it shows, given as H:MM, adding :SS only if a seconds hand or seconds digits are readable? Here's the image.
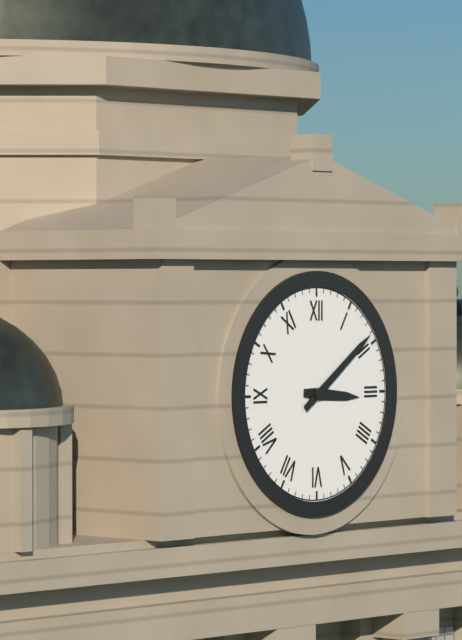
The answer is 3:09
